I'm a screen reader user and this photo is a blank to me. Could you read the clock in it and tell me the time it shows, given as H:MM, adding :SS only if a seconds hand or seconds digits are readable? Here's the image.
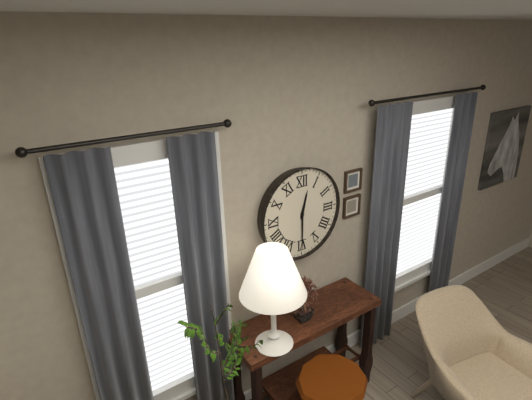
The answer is 12:30
